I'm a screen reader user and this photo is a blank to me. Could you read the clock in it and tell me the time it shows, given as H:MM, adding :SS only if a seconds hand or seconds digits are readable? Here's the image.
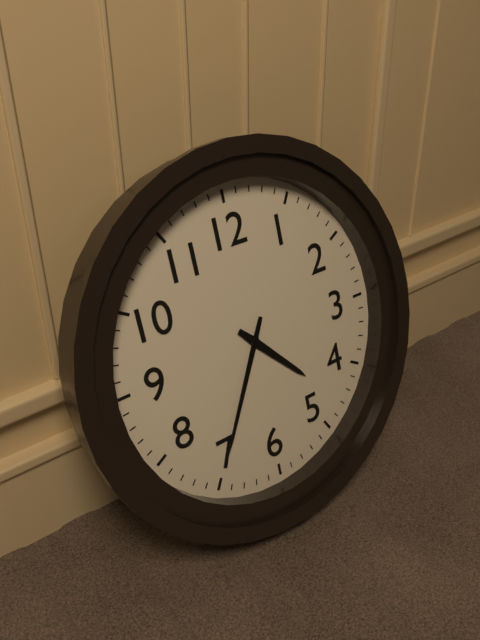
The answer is 4:35
